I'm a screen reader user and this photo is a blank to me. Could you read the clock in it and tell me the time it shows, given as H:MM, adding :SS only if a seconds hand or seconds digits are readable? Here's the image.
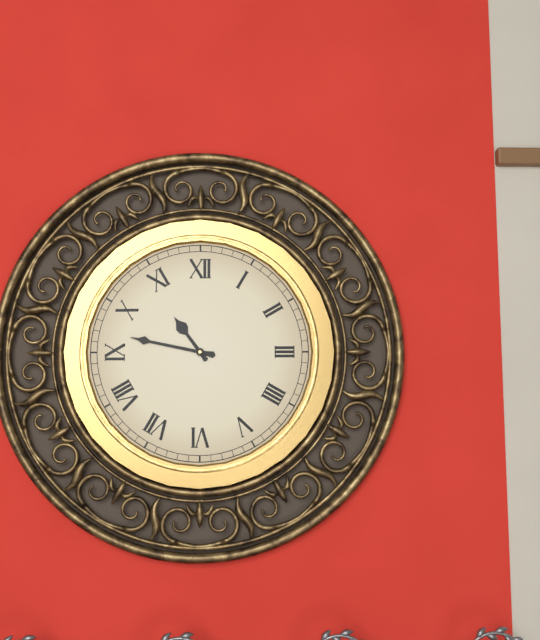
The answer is 10:47
